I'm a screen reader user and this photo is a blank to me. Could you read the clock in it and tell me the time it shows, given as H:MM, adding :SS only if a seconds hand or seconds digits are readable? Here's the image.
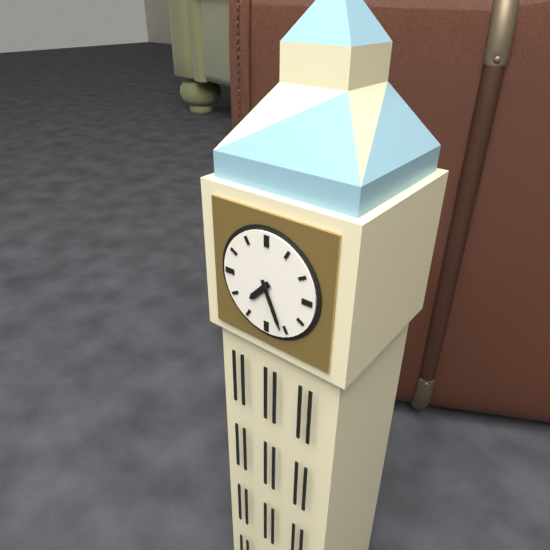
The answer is 7:26
